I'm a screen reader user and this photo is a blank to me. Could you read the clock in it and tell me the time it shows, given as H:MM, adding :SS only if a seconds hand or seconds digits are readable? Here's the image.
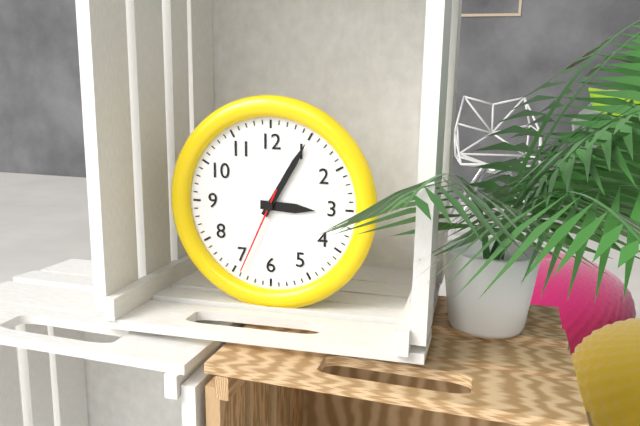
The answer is 3:05:34
